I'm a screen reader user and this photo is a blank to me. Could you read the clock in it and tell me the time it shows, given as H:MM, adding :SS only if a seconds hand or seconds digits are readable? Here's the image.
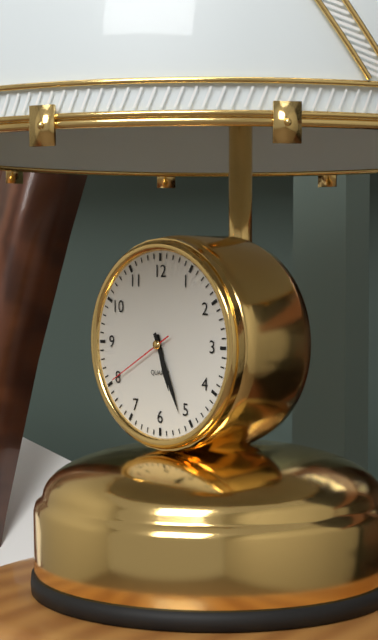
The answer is 5:26:40
